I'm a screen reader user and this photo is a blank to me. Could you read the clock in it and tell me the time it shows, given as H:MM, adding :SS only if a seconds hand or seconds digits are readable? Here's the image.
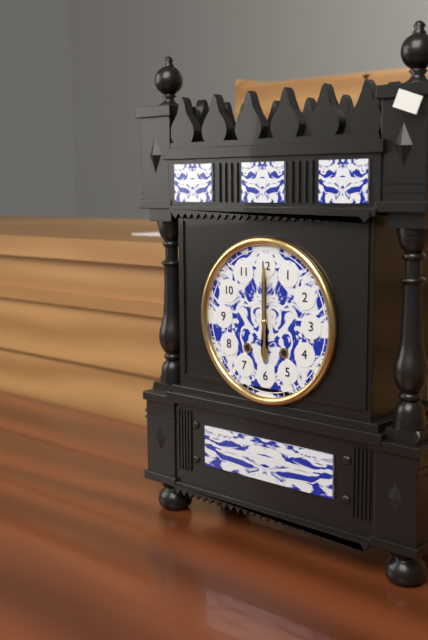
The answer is 6:00
